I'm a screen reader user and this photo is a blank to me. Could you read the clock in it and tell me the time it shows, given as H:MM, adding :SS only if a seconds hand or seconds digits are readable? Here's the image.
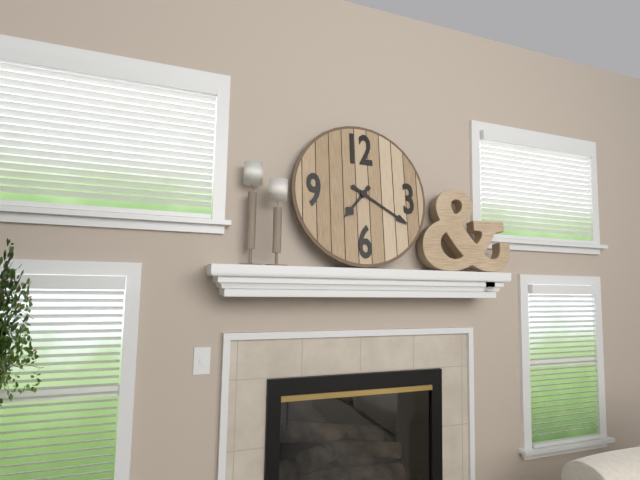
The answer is 7:20
